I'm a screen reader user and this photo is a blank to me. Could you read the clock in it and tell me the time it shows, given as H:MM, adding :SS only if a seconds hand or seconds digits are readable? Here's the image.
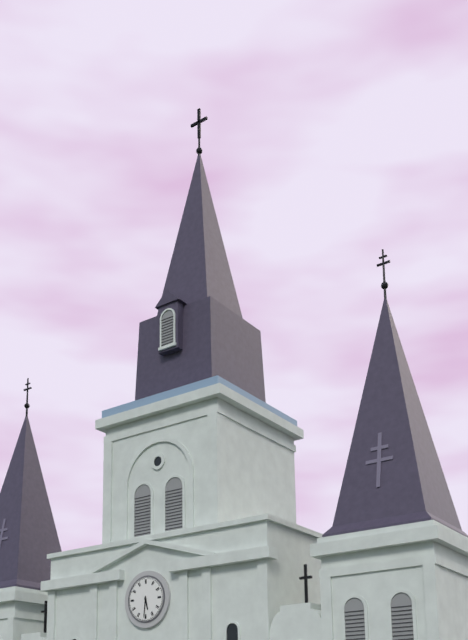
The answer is 5:31
